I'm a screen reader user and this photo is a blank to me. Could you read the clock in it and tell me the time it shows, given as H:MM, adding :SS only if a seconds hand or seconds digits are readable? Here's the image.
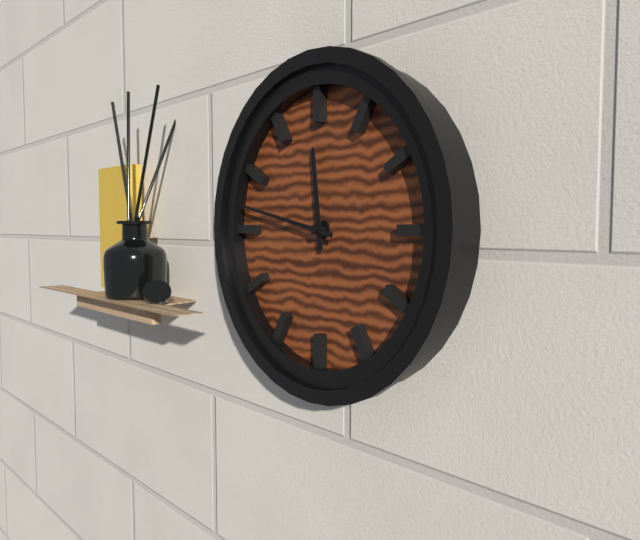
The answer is 11:47
